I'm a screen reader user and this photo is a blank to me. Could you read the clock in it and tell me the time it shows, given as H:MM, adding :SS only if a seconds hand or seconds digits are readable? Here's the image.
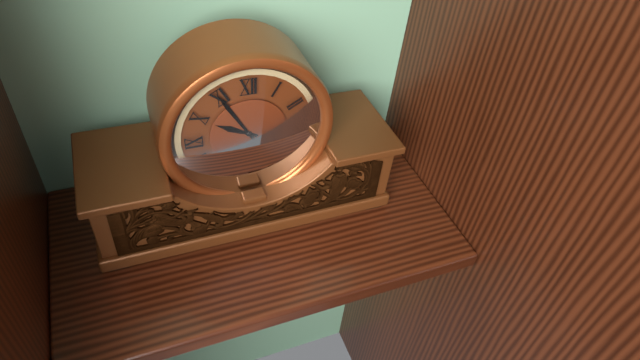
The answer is 9:55
